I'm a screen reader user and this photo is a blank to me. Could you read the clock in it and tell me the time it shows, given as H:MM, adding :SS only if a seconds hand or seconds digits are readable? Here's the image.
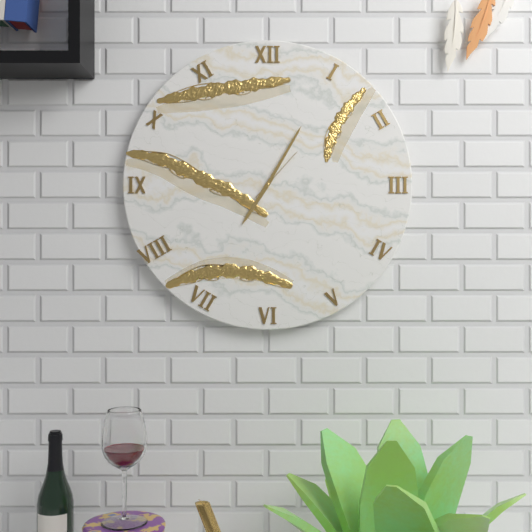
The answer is 7:05:07
